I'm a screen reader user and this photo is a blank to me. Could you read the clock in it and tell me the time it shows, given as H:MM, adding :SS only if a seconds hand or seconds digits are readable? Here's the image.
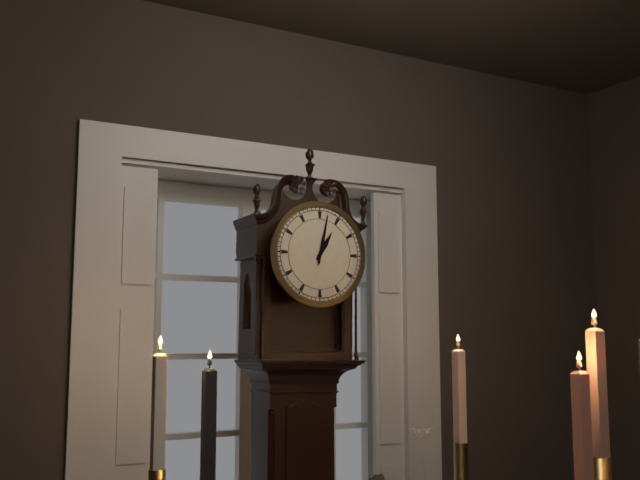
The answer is 1:02
